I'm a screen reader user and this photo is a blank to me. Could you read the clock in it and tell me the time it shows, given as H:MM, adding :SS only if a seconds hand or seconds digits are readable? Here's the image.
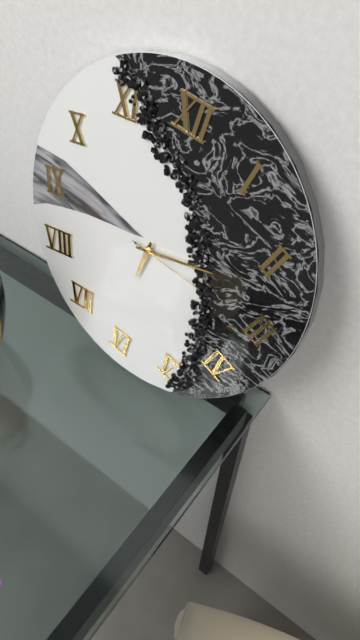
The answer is 6:12:15
